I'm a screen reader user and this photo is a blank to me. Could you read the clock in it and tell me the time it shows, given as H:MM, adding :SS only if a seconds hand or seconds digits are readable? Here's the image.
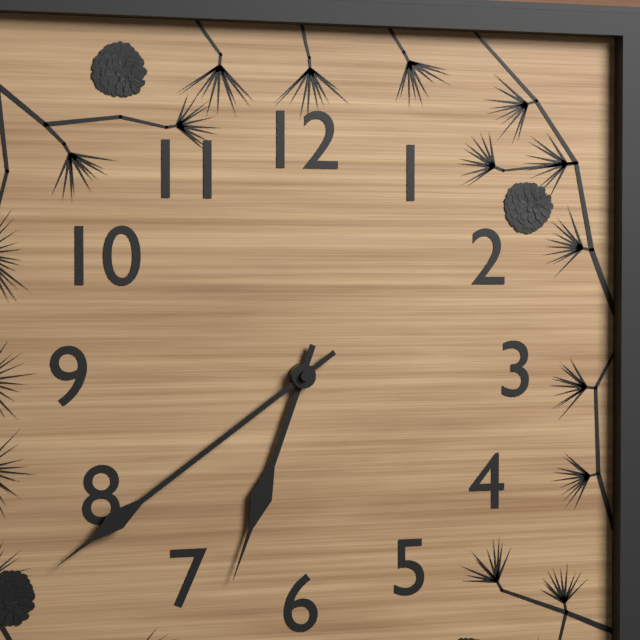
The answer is 6:39
